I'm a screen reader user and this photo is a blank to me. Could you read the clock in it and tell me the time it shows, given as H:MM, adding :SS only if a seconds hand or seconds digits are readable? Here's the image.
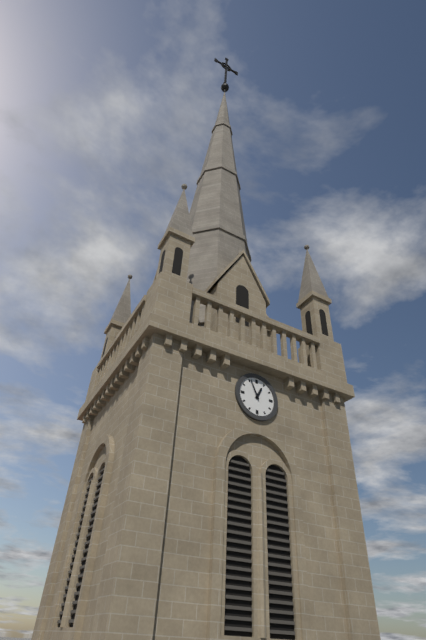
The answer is 12:56
